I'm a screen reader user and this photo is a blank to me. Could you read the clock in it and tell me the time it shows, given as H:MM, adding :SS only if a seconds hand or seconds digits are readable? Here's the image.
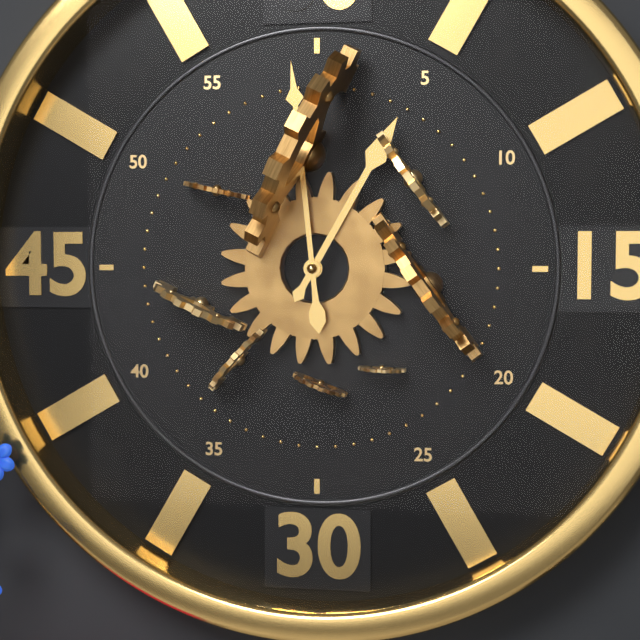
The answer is 12:59
